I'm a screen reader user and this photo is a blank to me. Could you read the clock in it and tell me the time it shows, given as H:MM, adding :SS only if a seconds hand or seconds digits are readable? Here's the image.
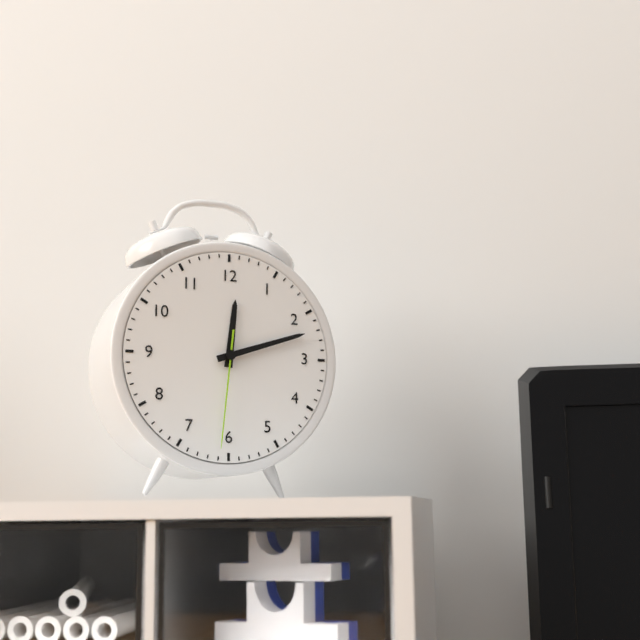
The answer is 12:12:31
